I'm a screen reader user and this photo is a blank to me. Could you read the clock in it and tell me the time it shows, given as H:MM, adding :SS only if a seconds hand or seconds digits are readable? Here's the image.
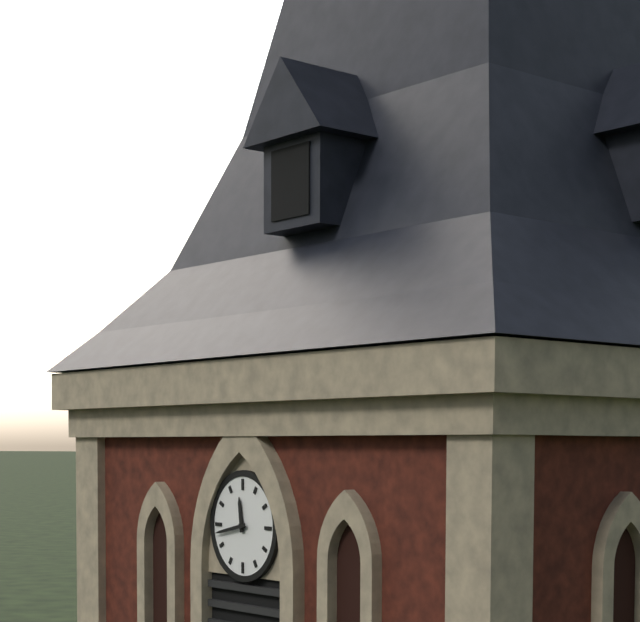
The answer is 11:43
